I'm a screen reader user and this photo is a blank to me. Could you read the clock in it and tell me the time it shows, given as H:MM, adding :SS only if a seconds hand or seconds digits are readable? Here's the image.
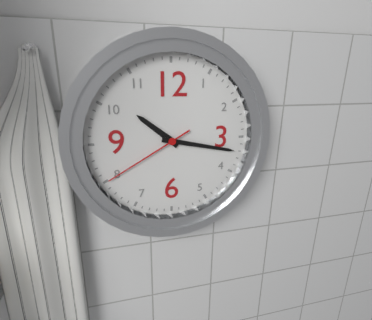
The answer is 10:17:40
